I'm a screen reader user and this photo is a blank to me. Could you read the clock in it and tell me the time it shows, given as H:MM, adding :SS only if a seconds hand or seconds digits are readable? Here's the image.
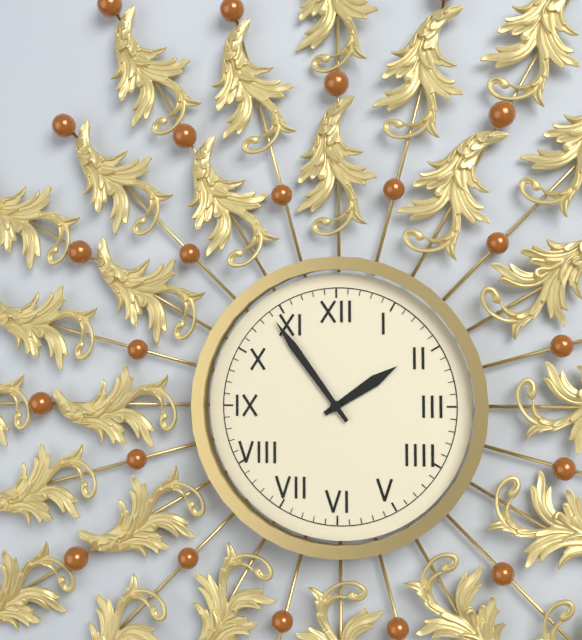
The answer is 1:54
